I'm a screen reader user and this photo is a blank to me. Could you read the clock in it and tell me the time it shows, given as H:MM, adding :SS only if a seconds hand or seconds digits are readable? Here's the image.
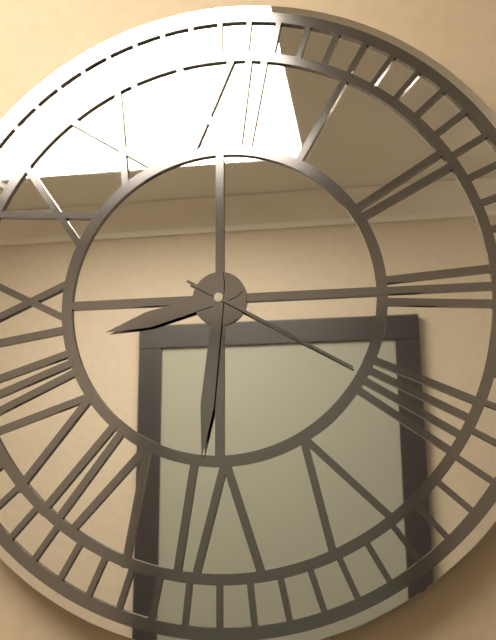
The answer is 8:31:20
